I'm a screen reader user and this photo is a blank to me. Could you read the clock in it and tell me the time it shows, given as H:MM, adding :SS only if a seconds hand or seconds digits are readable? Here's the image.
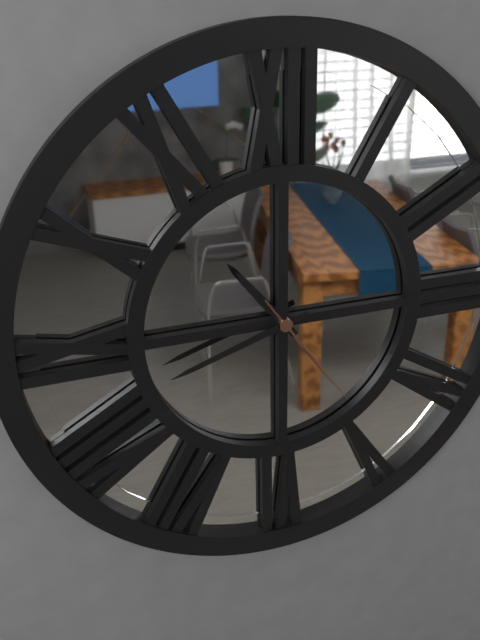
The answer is 10:42:24
